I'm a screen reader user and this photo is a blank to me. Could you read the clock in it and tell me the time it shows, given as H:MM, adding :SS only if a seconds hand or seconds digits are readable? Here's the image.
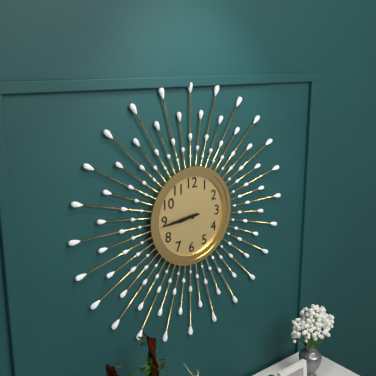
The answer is 8:44
